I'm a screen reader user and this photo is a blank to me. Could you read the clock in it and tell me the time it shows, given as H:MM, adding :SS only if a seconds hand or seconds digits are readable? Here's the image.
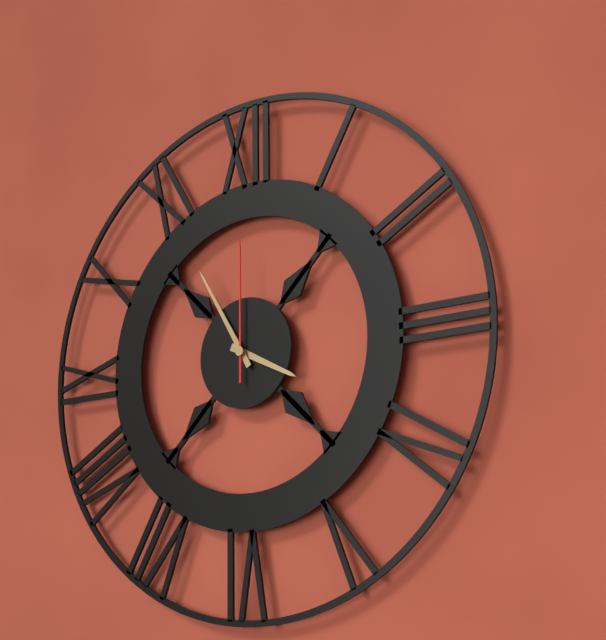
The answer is 3:55:00
